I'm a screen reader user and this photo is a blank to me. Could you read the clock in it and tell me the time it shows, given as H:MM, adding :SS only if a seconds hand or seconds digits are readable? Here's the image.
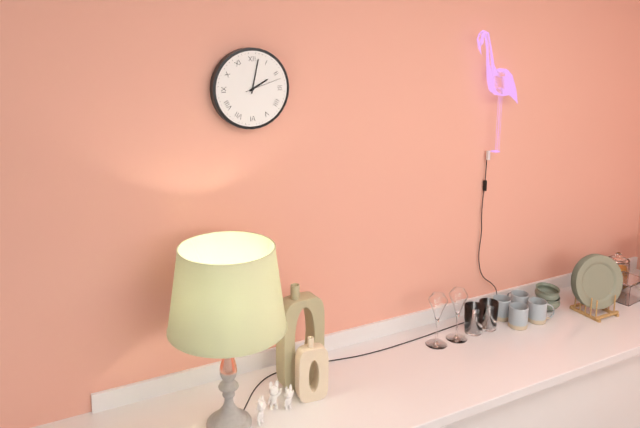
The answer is 2:02
